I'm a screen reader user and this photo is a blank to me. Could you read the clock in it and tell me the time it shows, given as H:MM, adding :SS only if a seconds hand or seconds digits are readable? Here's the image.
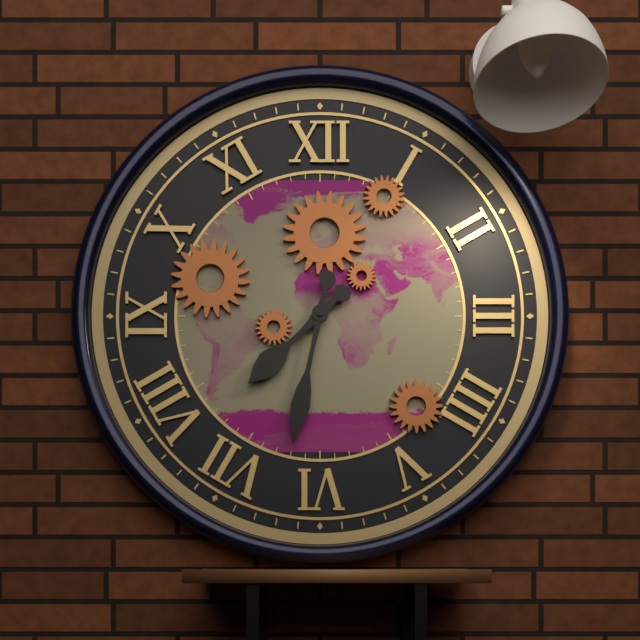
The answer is 7:32
